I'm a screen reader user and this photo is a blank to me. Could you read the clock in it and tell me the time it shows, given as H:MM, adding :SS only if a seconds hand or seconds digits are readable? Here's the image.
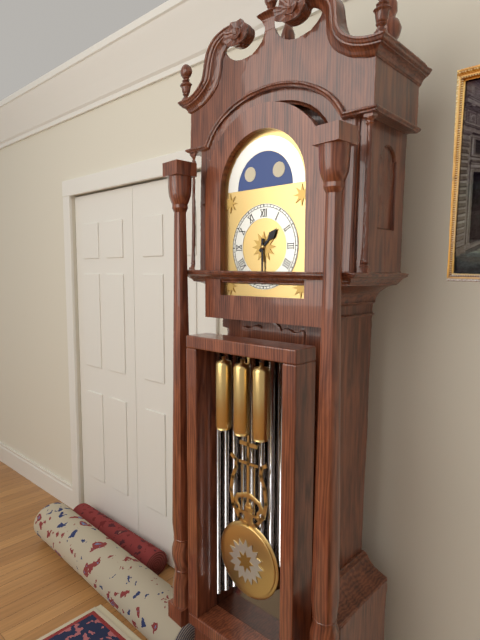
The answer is 1:30
